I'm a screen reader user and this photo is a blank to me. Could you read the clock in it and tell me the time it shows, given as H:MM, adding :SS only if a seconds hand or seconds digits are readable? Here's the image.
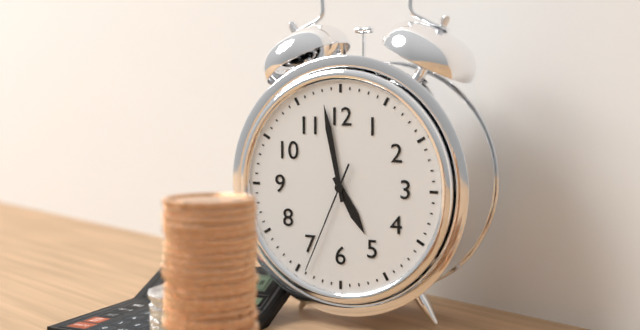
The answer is 4:58:34
